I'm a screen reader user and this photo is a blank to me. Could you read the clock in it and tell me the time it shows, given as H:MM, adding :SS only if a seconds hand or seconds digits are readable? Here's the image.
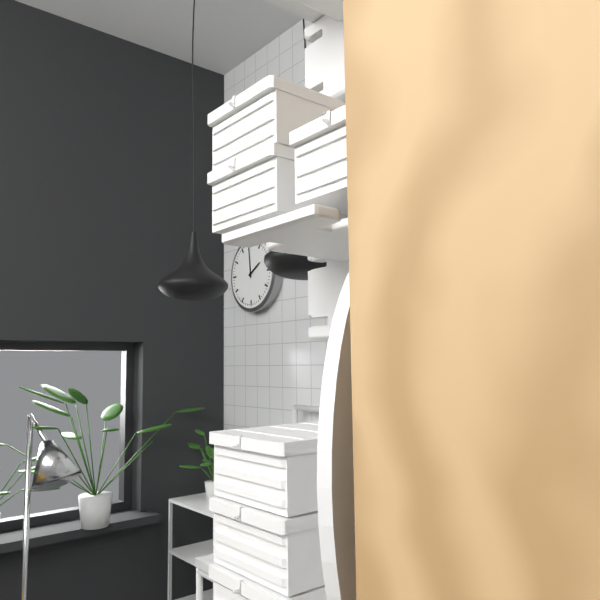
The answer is 1:59
